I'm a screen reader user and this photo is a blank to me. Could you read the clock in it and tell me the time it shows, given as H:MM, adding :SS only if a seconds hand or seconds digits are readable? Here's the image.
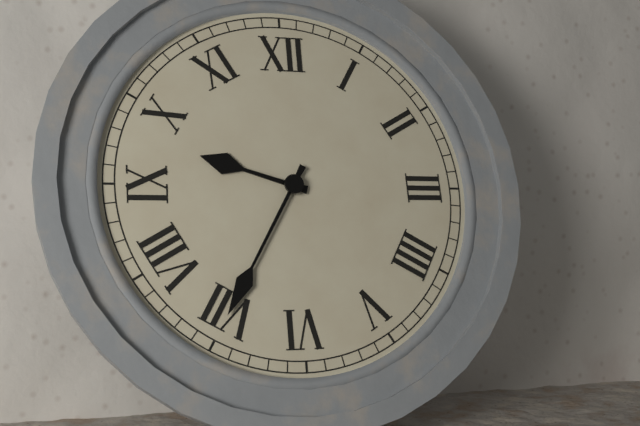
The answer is 9:35
